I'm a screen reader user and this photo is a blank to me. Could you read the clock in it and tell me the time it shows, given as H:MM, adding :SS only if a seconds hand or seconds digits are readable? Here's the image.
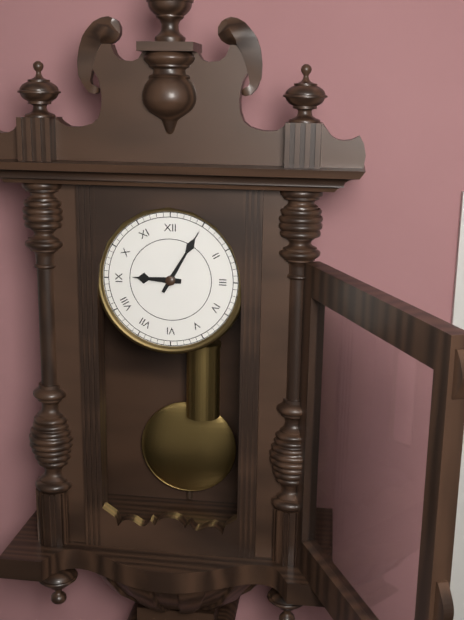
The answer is 9:05
